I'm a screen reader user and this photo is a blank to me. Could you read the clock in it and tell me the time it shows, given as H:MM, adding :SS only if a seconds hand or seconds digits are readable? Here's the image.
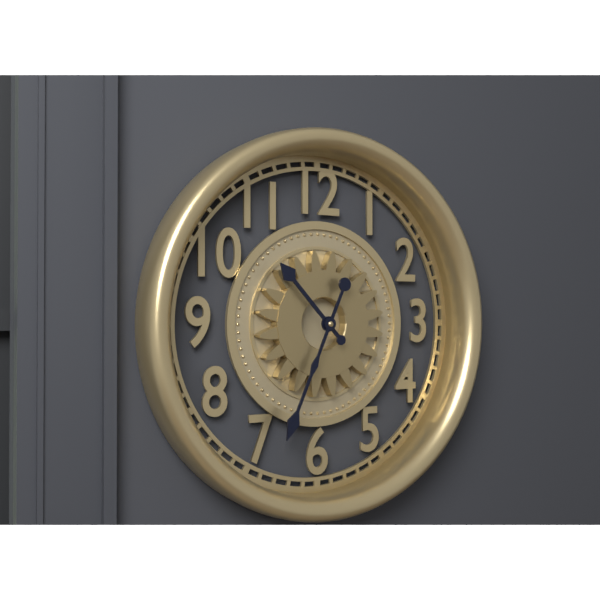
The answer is 10:34
